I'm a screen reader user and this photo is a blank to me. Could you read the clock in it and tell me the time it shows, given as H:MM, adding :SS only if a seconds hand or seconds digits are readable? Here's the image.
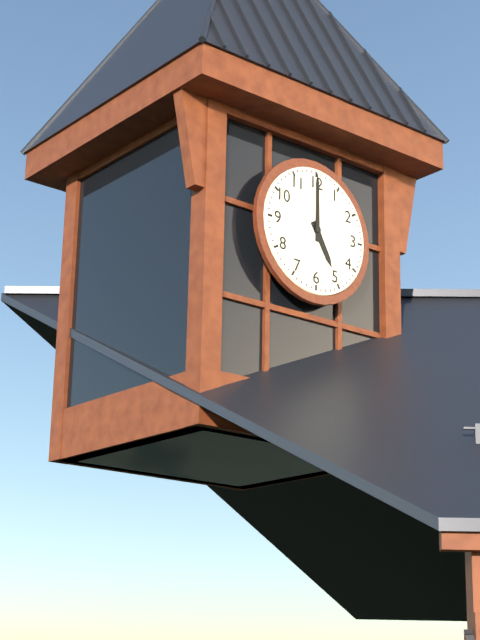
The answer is 5:00
